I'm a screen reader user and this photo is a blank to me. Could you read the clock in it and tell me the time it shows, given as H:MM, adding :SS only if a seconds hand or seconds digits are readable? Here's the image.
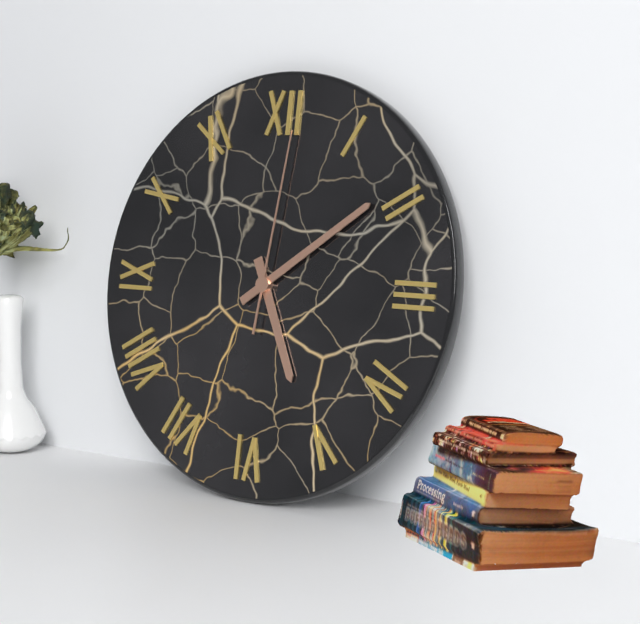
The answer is 5:09:01
